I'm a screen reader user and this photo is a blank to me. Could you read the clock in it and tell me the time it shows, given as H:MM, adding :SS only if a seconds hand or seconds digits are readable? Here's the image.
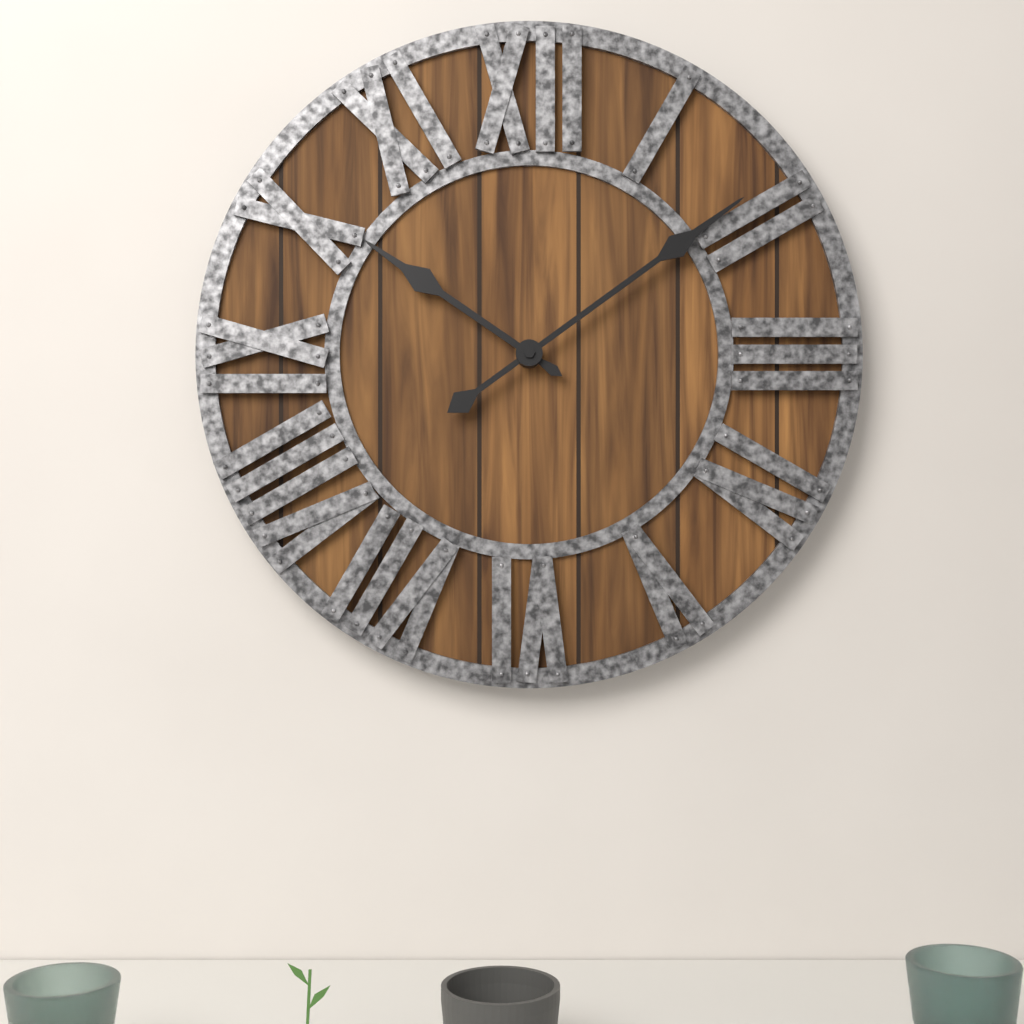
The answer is 10:09
